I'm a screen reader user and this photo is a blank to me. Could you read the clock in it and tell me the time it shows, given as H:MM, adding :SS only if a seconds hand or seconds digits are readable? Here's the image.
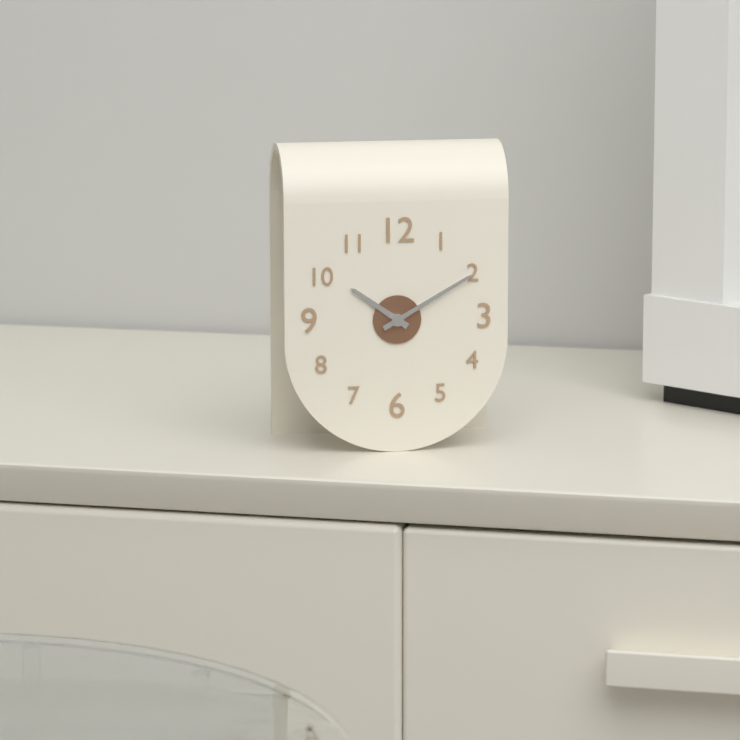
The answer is 10:10
